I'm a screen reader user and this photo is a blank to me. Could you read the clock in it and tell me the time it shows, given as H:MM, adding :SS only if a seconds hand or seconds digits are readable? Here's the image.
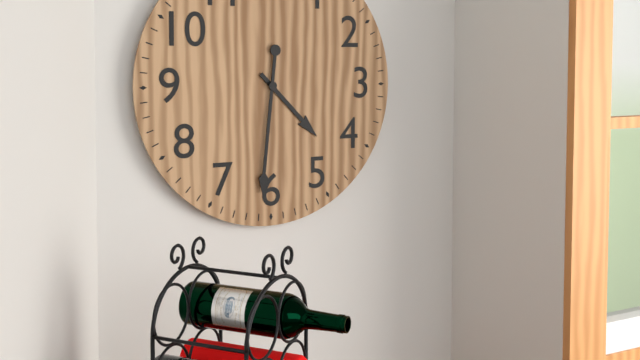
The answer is 4:31
